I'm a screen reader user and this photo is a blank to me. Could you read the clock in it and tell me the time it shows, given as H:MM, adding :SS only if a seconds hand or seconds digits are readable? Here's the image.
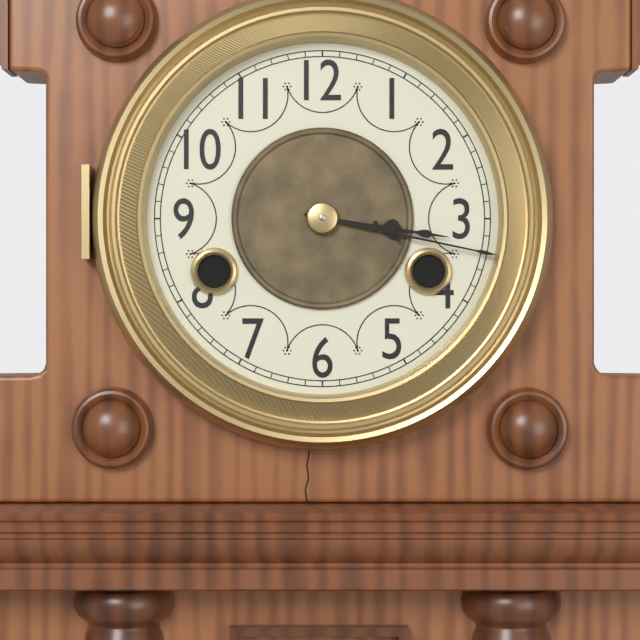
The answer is 3:17
